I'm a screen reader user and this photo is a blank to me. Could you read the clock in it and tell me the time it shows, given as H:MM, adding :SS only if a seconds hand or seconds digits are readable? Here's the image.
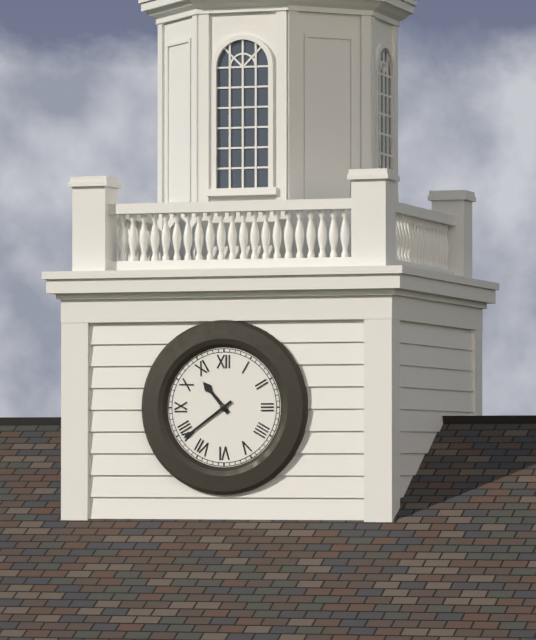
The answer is 10:39
